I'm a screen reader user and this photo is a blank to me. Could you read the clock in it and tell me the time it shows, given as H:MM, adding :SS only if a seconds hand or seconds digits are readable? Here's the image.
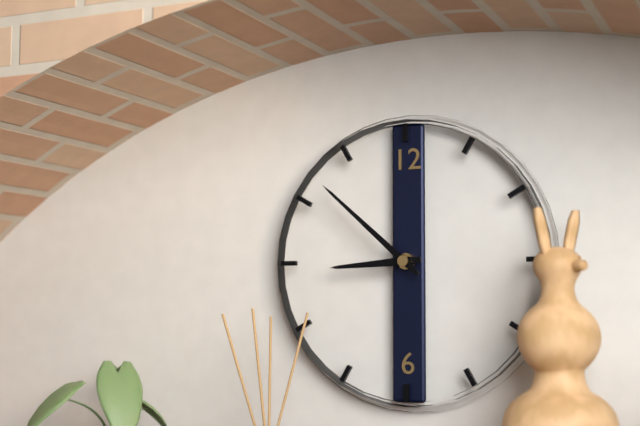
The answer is 8:52
